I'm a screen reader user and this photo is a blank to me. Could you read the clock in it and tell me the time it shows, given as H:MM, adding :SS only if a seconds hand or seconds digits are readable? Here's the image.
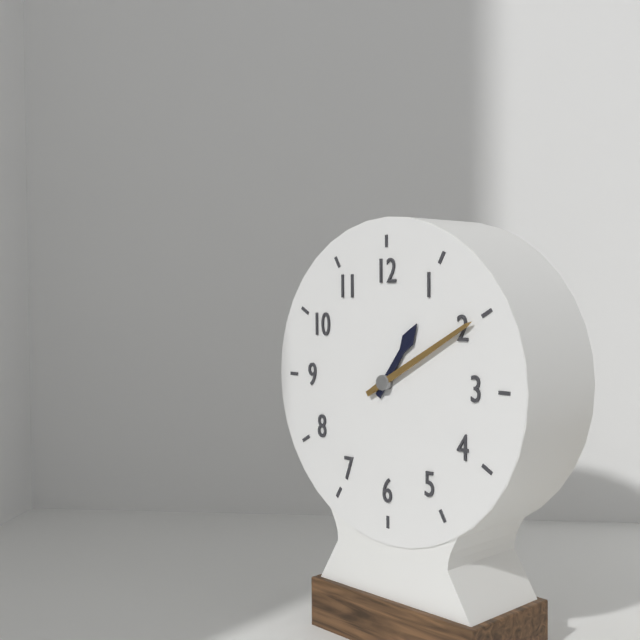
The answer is 1:10
